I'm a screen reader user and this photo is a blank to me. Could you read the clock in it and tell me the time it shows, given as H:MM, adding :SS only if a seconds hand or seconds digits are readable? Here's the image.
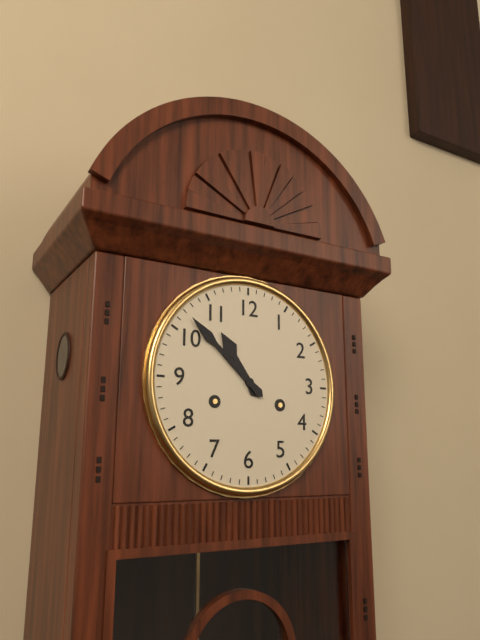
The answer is 10:52
